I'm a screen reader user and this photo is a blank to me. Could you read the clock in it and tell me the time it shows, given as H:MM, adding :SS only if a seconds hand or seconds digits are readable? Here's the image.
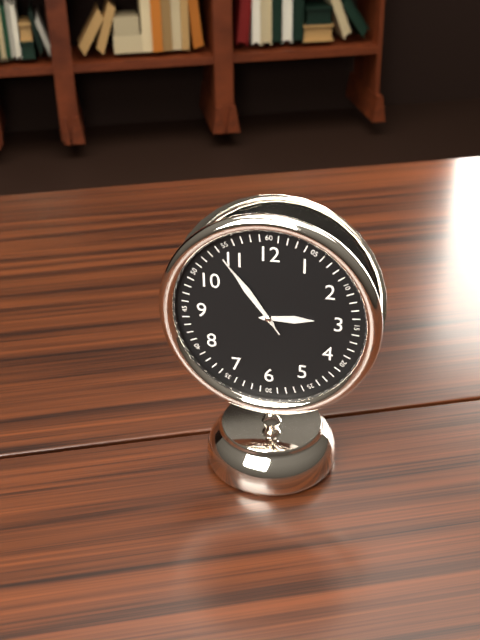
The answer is 2:54:54
